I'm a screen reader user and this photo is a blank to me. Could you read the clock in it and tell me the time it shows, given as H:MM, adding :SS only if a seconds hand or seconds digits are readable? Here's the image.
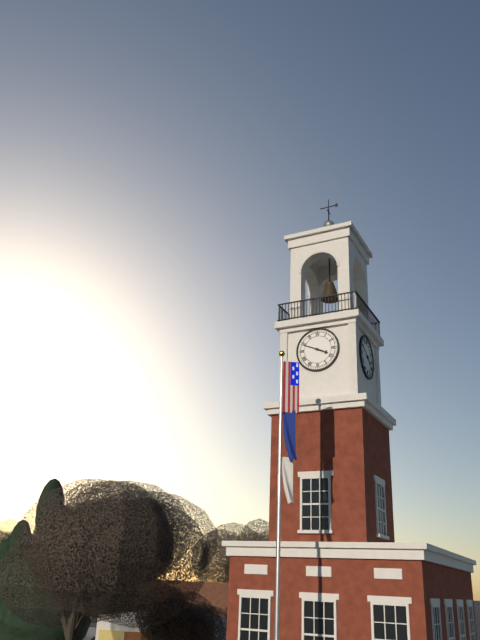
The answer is 3:49
